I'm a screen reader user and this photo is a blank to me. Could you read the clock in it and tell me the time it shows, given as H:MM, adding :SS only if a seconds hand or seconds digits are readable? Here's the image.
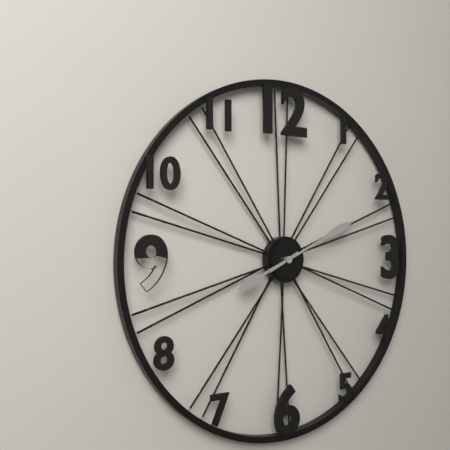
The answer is 8:11
